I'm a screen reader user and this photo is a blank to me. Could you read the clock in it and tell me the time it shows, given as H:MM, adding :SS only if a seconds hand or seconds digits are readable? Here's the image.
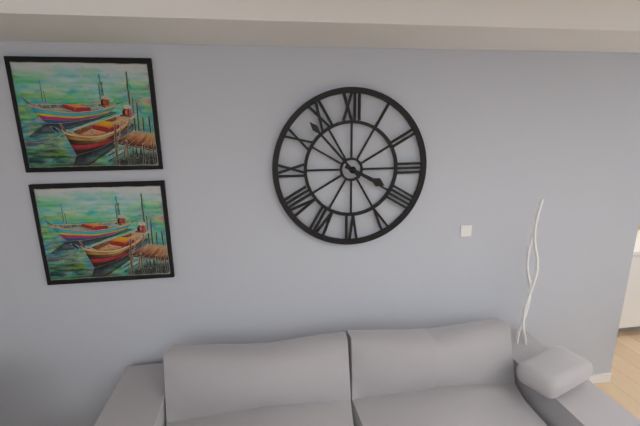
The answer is 3:53
